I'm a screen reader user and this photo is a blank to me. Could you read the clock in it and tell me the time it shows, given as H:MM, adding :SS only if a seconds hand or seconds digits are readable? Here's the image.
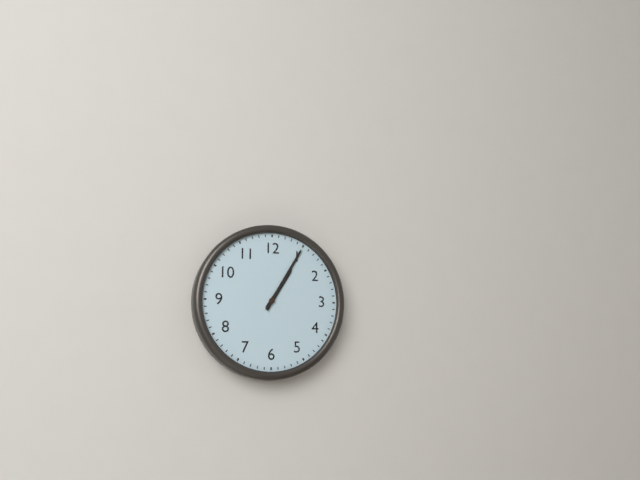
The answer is 1:05
